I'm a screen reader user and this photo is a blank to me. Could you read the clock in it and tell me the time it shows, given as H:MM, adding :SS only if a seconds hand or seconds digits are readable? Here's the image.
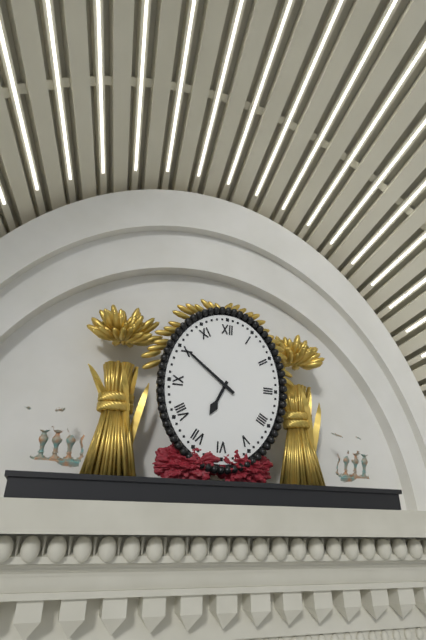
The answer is 6:51
